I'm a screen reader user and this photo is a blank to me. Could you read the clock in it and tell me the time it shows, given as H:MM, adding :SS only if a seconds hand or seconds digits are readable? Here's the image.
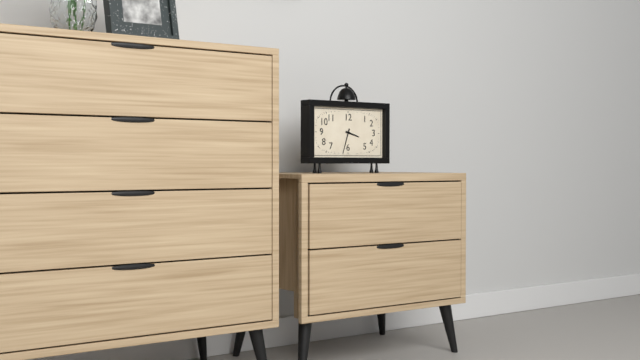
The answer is 3:33
